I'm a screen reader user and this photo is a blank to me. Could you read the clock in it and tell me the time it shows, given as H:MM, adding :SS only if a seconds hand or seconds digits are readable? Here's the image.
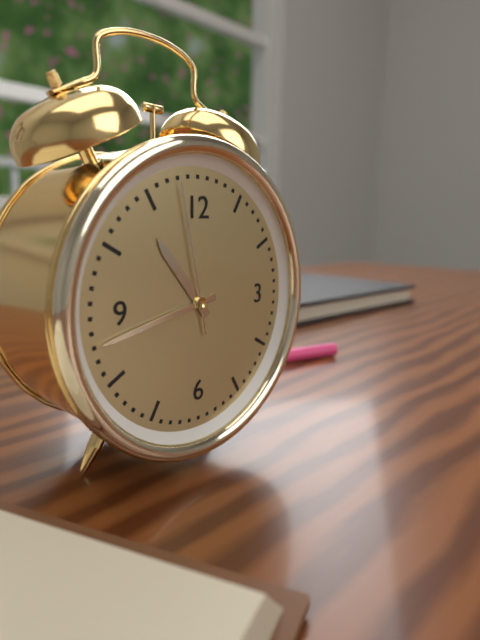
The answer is 10:43:58
